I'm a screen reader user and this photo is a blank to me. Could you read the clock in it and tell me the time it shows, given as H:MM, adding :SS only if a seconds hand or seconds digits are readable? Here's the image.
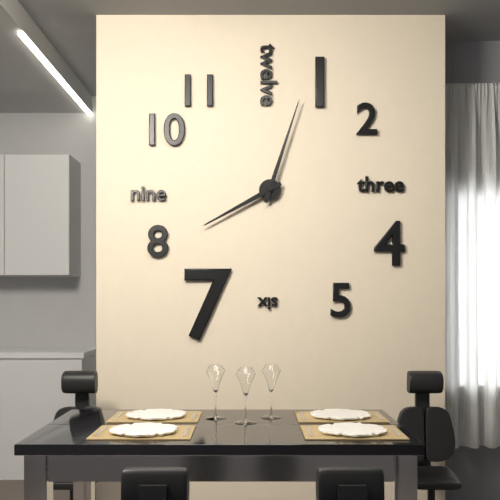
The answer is 8:03
